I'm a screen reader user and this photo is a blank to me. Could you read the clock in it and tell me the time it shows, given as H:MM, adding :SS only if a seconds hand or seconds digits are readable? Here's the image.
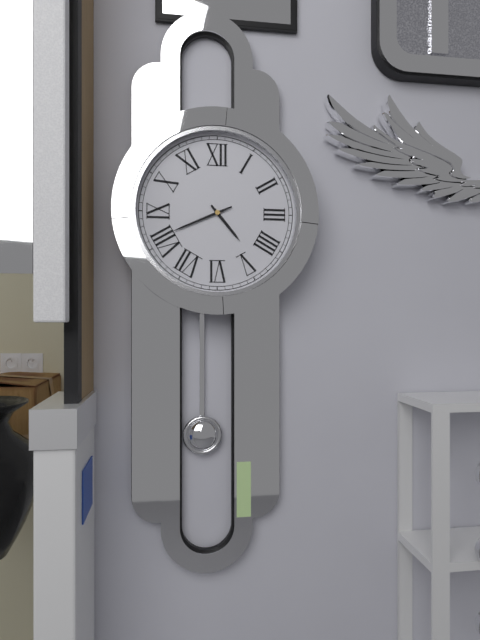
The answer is 4:41
